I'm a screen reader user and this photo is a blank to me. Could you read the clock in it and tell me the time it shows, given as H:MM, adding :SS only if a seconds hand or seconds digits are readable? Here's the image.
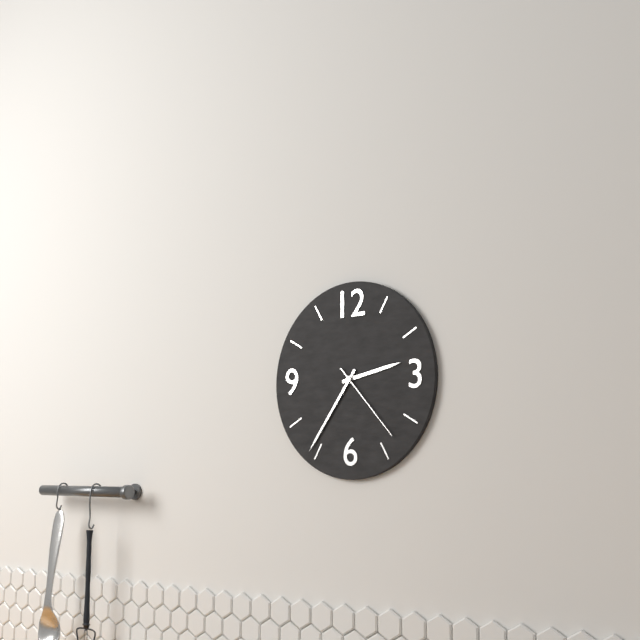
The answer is 2:36:23
